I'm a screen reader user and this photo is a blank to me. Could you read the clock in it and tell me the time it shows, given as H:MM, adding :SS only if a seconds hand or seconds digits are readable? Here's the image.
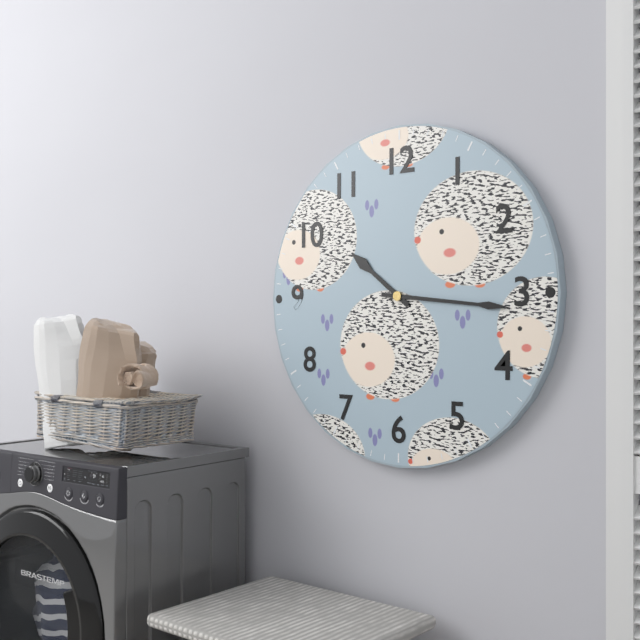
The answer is 10:16
